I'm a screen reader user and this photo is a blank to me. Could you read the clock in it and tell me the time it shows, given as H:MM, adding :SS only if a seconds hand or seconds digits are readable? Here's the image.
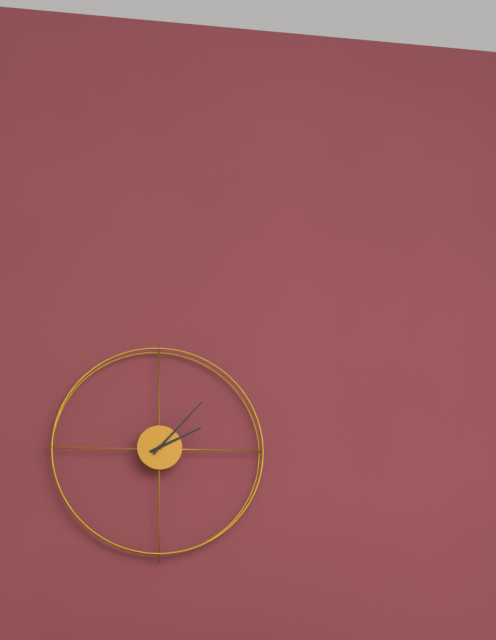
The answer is 2:07
